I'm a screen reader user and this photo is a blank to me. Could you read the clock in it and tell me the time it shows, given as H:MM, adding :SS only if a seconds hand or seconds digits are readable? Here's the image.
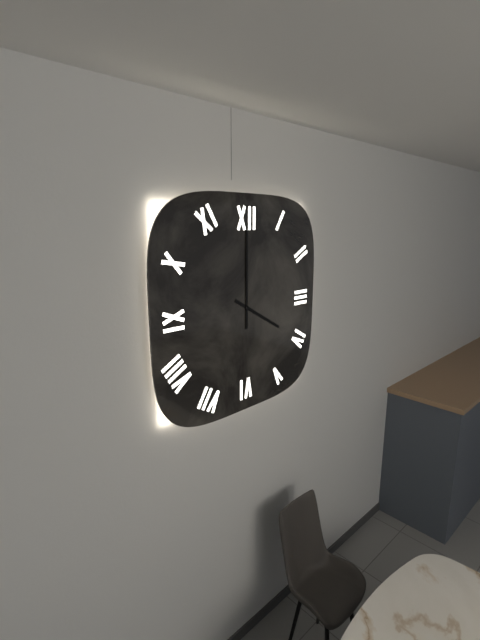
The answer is 4:00
